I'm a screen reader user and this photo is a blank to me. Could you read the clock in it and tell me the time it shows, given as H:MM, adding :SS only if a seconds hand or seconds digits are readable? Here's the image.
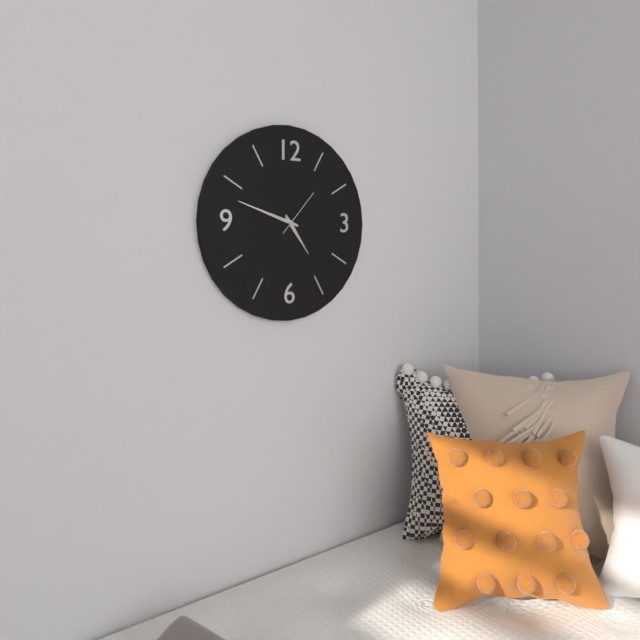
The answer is 4:48
